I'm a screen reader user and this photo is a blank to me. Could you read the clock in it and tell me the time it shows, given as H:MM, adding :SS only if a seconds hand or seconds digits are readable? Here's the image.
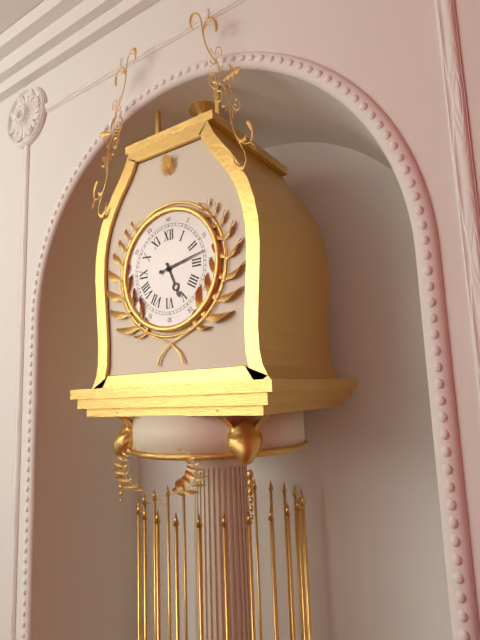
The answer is 5:13
